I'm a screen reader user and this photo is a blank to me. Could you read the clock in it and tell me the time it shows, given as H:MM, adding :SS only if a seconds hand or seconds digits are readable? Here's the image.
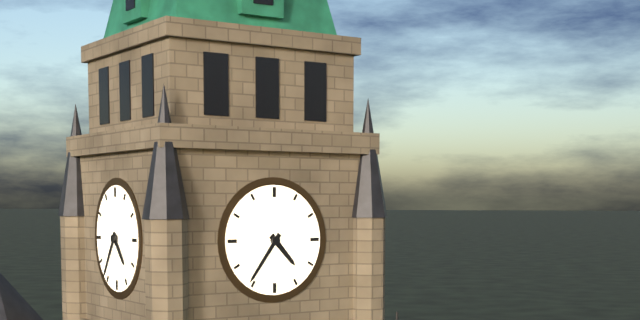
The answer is 4:36
